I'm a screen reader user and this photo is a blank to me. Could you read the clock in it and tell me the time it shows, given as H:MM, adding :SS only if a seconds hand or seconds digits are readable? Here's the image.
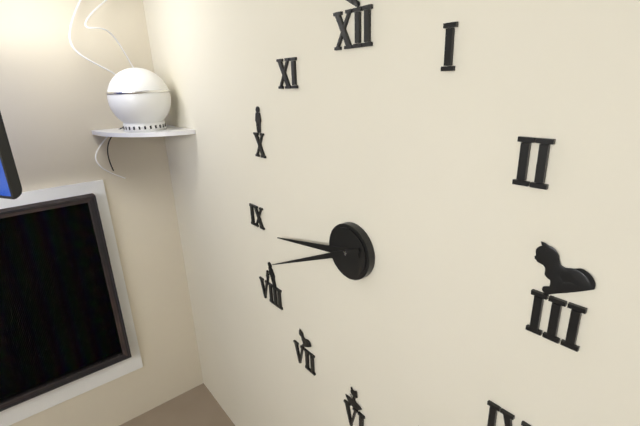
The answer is 8:41
